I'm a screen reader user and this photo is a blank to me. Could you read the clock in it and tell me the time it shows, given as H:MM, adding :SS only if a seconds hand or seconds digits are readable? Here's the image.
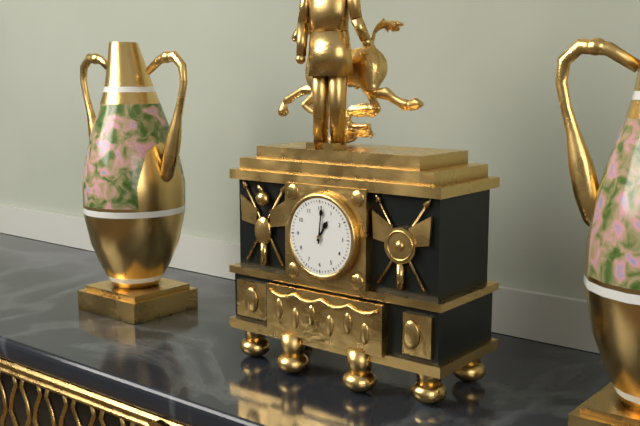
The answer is 1:01
